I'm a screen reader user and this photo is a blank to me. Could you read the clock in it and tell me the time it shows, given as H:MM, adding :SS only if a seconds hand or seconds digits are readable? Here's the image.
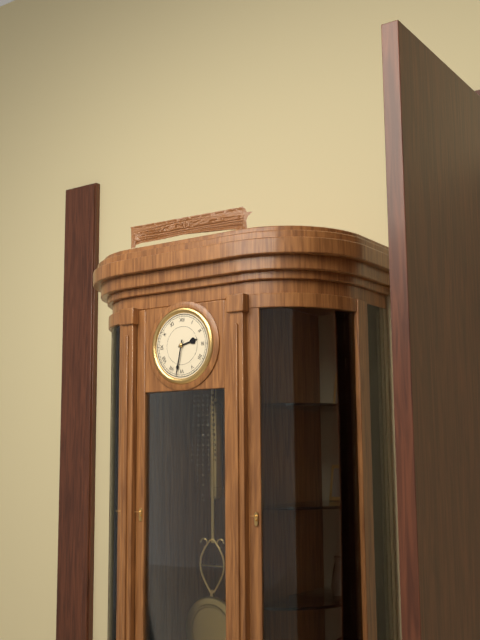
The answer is 2:32
